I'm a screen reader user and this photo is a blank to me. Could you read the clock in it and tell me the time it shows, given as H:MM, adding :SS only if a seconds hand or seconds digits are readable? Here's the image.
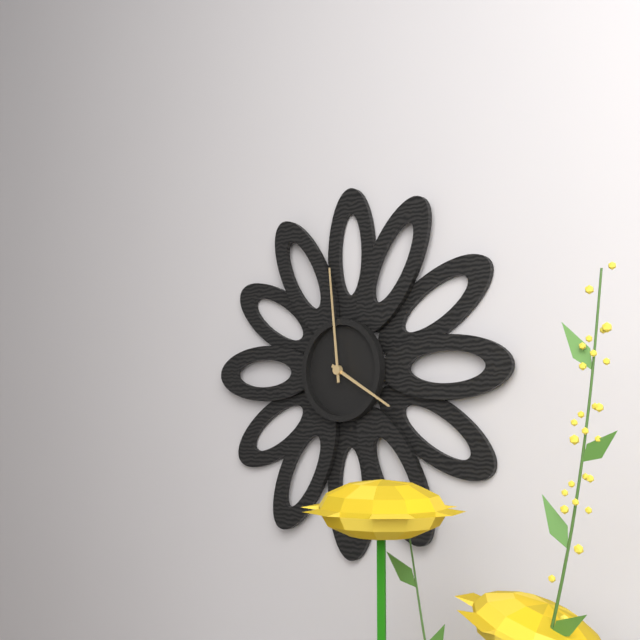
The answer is 3:59
